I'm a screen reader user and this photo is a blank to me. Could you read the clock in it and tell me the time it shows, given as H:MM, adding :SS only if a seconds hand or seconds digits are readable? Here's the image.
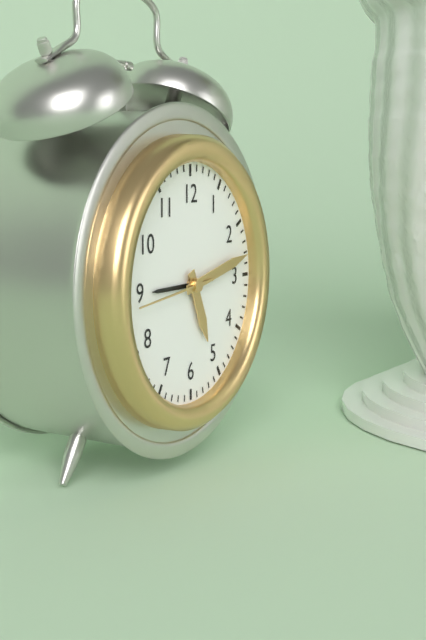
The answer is 5:13:44
